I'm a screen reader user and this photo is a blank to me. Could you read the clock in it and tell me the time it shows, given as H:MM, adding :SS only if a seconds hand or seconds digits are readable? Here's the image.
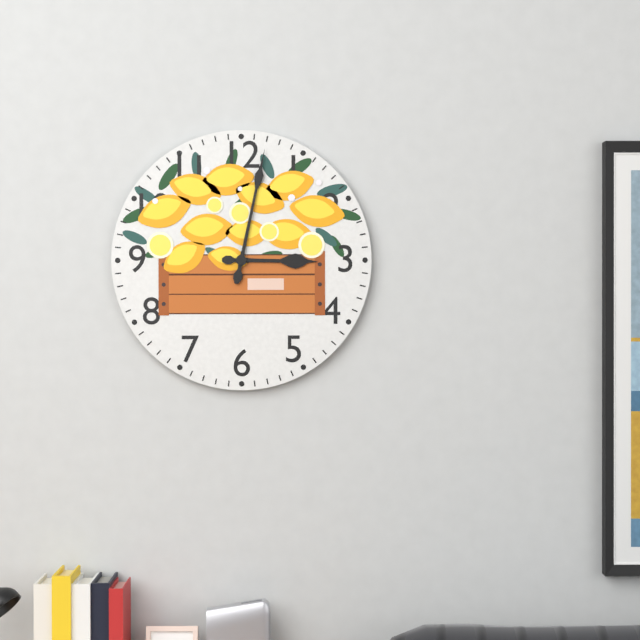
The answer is 3:02
